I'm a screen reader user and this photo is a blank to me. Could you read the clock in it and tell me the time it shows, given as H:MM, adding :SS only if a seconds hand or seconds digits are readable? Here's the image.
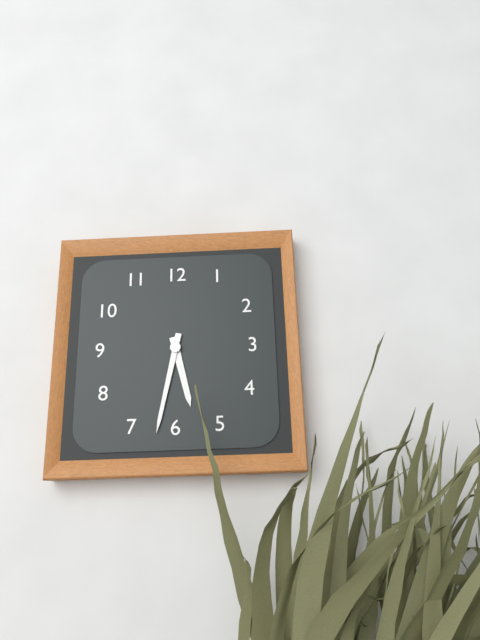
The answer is 5:32
